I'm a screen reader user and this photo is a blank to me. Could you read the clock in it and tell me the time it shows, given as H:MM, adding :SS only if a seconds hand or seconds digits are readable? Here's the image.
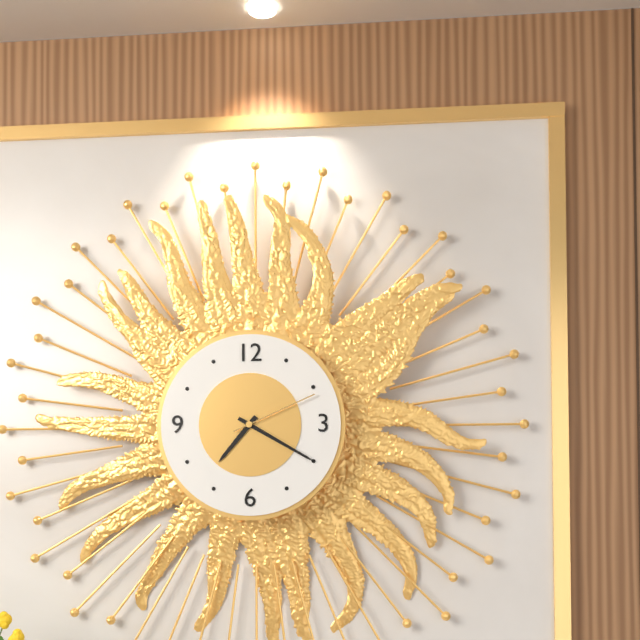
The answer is 7:20:11
